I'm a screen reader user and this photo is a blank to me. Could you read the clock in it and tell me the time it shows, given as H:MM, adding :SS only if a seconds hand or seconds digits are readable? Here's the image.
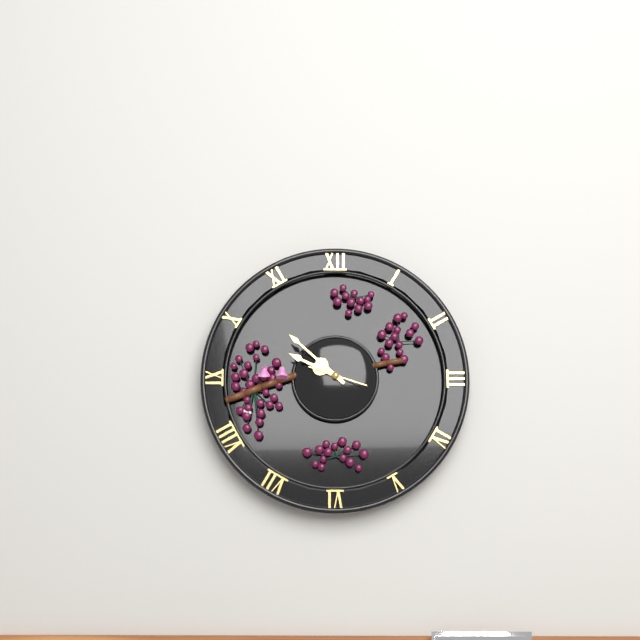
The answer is 9:52
